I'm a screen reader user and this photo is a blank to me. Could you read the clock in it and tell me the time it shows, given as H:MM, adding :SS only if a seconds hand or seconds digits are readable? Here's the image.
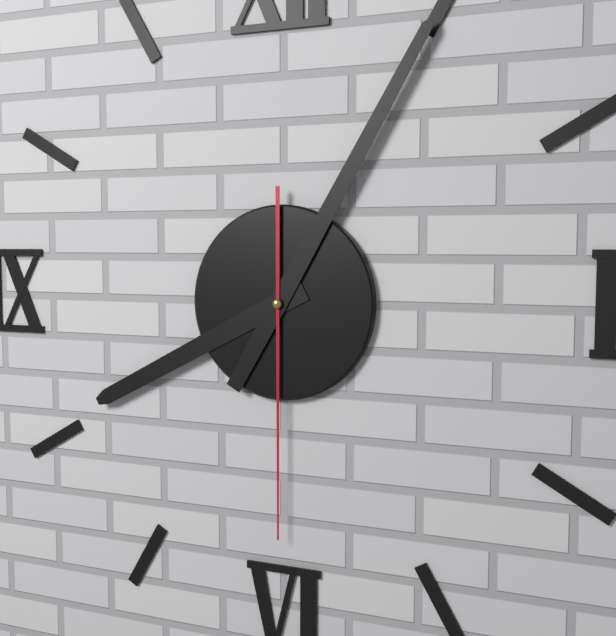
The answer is 8:05:30
